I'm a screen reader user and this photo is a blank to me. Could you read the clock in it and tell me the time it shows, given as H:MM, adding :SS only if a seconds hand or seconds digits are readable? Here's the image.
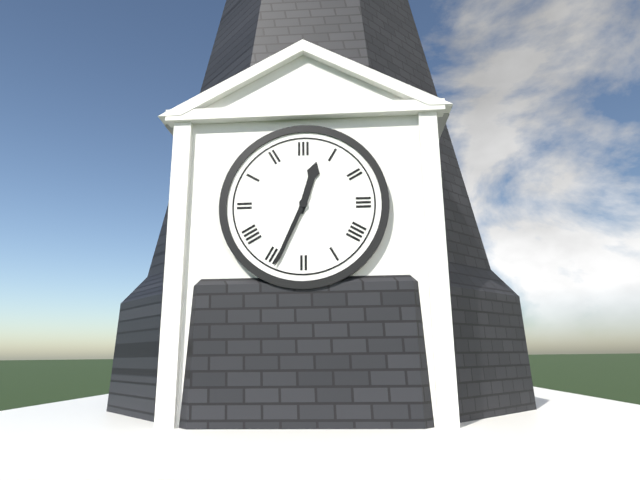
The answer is 12:34
